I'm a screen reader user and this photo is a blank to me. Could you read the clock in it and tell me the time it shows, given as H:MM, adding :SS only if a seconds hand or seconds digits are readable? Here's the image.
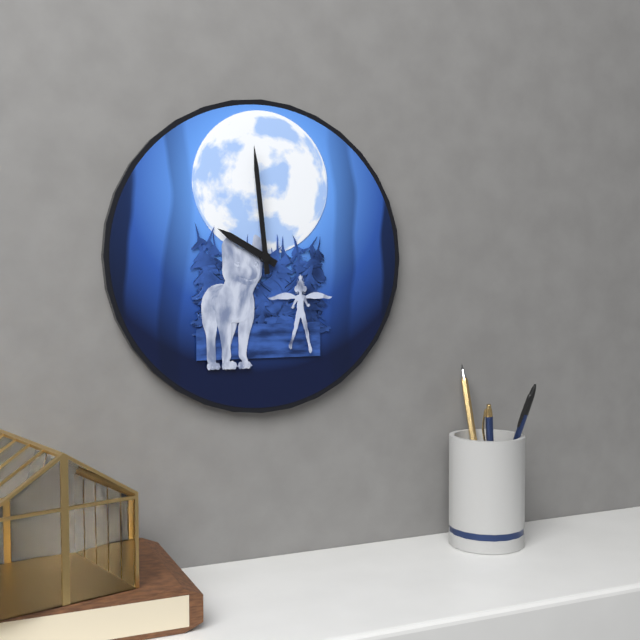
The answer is 9:59
